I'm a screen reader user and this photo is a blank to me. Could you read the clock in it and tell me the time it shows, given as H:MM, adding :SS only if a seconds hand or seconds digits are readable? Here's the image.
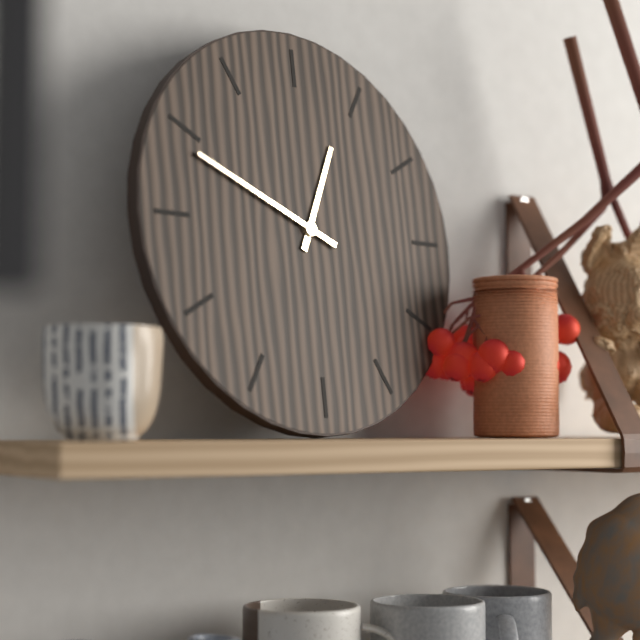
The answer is 12:49
